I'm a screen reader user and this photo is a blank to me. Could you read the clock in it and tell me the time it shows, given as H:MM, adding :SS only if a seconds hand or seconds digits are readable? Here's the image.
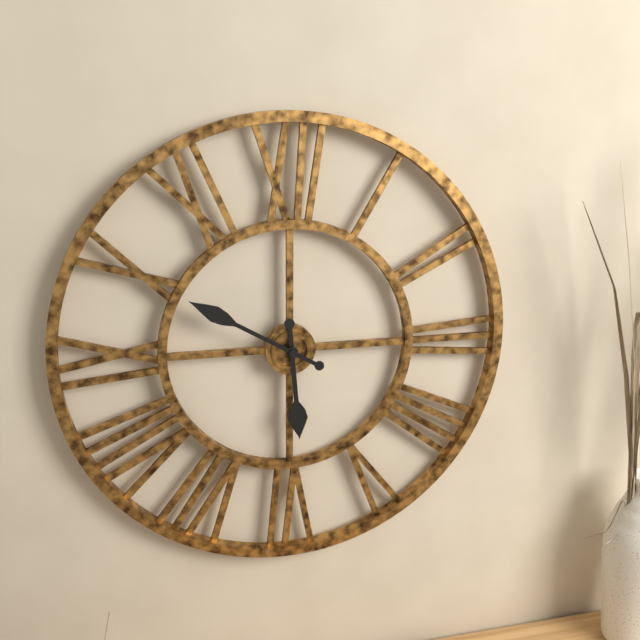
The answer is 5:50
